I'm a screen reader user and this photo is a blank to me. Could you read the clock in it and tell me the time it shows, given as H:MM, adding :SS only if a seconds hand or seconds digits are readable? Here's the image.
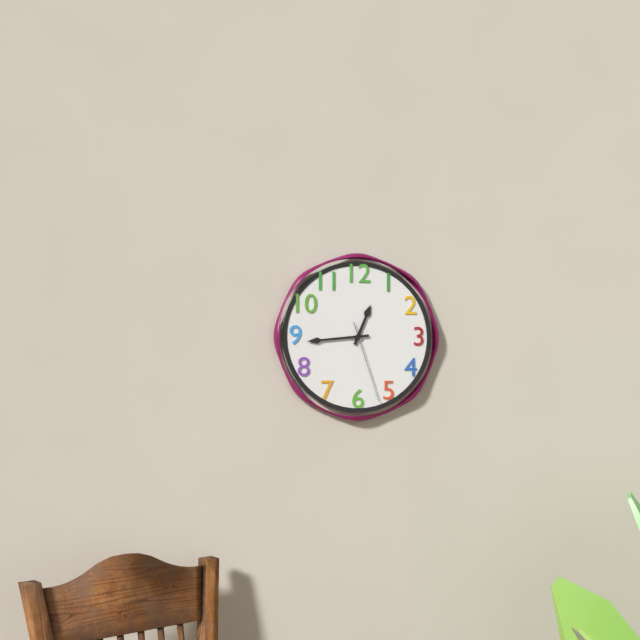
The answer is 12:44:27
